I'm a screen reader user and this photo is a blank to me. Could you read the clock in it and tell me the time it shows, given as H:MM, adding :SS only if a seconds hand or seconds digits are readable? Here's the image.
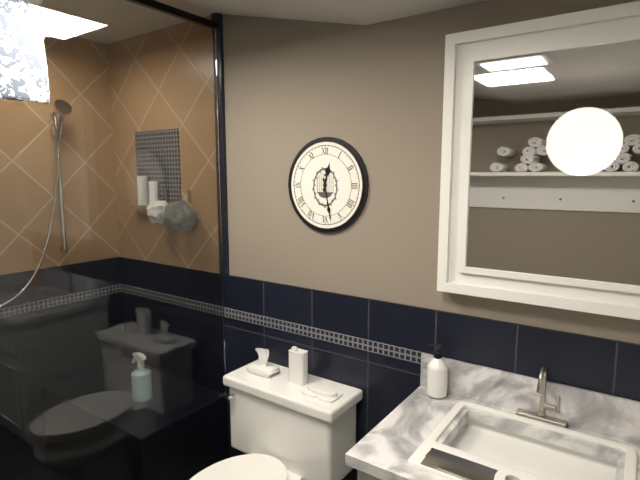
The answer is 12:28
